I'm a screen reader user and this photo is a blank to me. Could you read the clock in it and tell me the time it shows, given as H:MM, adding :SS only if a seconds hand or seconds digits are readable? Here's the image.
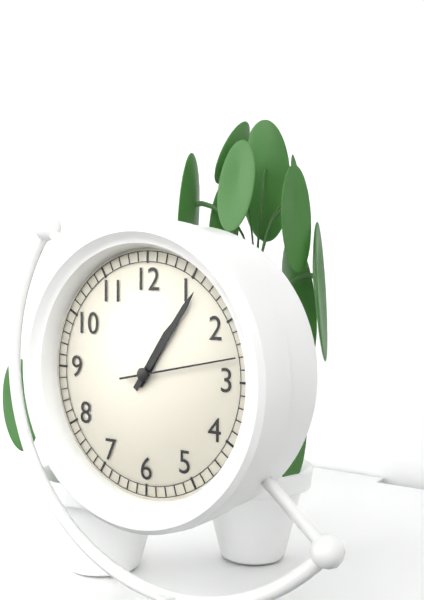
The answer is 1:06:13
